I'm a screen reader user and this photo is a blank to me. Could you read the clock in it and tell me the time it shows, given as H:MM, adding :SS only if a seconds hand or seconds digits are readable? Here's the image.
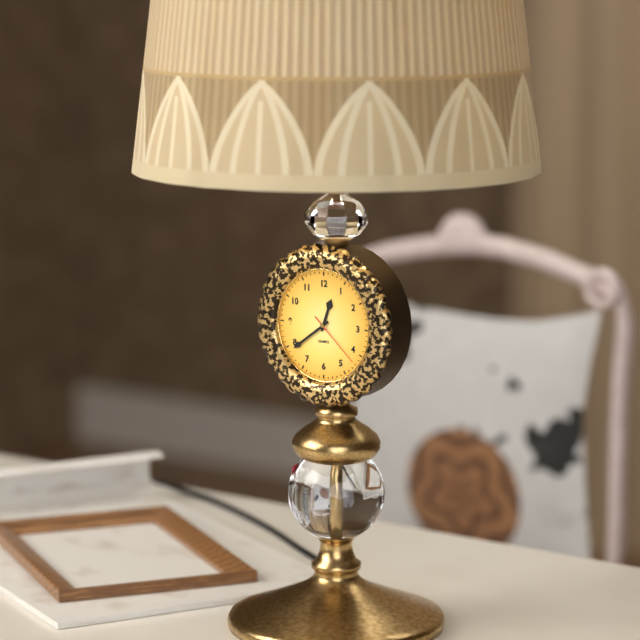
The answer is 12:39:22
